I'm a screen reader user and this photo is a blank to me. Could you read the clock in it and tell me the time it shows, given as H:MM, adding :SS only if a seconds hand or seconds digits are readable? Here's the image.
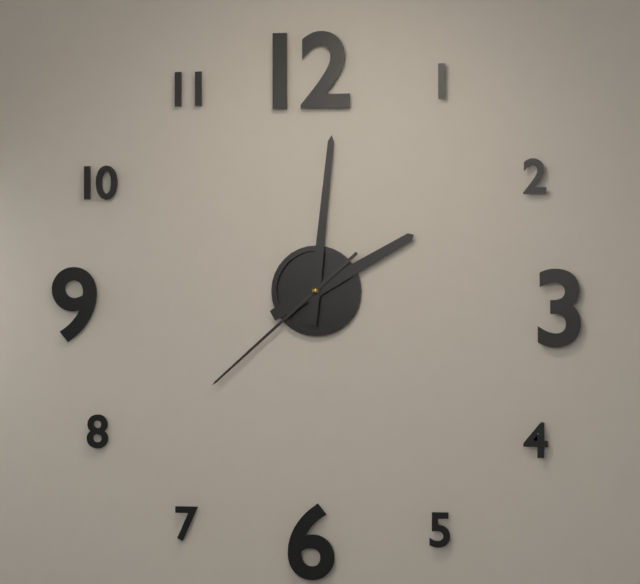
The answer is 2:01:38
